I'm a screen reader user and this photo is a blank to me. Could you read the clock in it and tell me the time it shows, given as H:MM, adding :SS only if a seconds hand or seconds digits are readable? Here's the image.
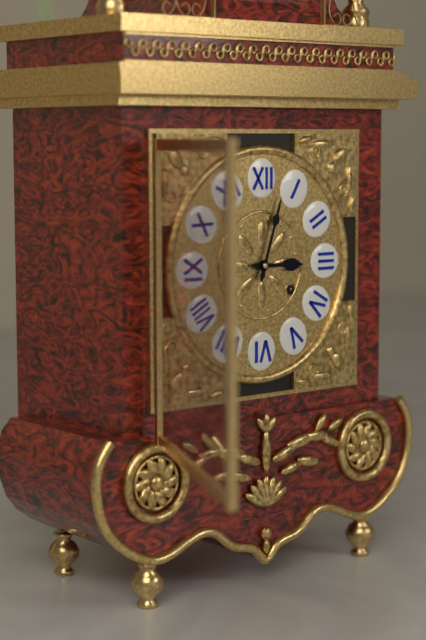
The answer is 3:03
